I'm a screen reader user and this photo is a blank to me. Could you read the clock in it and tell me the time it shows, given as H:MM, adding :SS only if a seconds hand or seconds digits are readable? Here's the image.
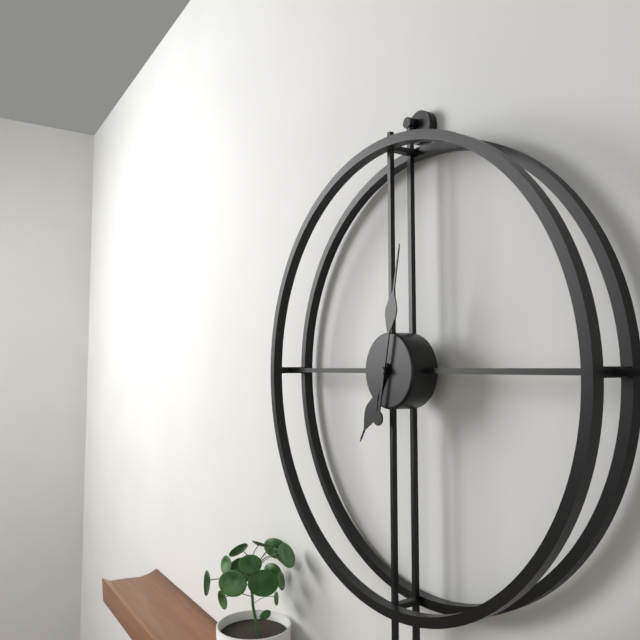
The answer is 7:02
